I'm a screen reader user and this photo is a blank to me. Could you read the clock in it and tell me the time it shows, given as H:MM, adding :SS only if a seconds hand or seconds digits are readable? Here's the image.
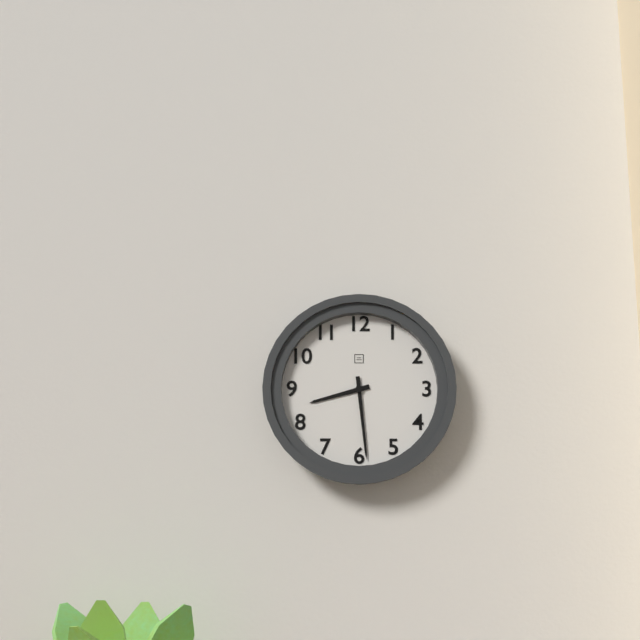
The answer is 8:29
